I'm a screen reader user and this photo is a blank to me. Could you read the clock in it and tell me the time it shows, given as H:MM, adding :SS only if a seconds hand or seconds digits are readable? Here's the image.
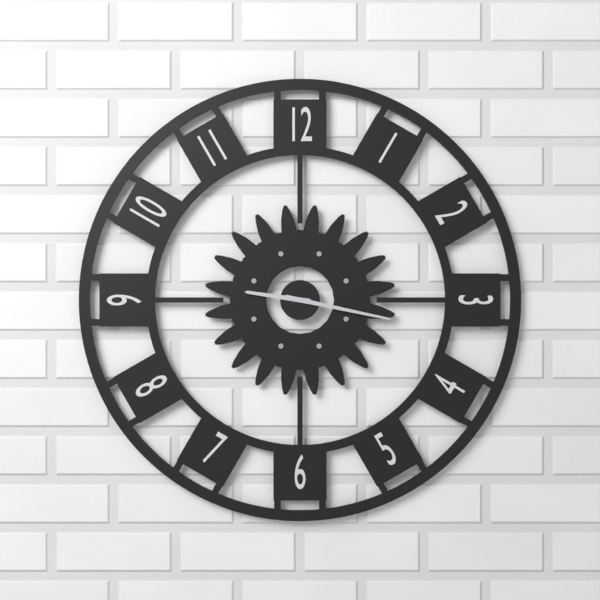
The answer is 9:17
